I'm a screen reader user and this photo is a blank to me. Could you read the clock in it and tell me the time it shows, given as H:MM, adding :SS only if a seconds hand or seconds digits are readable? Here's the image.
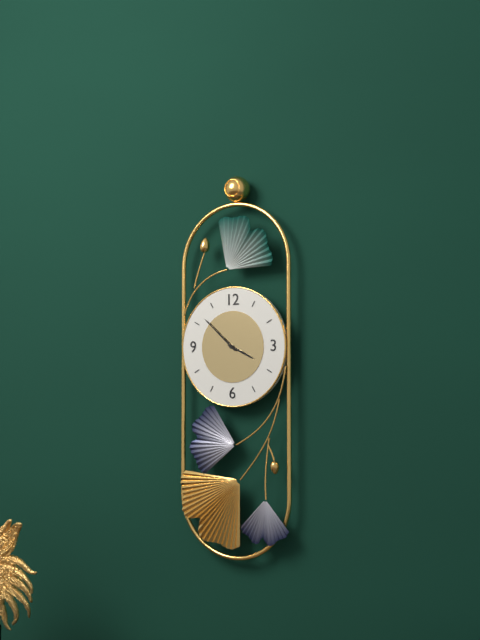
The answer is 3:52
